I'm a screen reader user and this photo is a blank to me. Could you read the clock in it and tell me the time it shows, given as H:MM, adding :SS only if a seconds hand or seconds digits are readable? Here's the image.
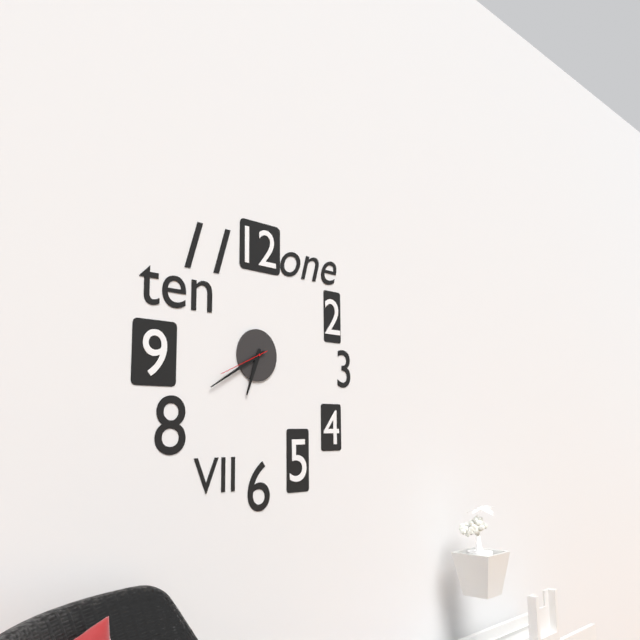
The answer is 6:40:41
